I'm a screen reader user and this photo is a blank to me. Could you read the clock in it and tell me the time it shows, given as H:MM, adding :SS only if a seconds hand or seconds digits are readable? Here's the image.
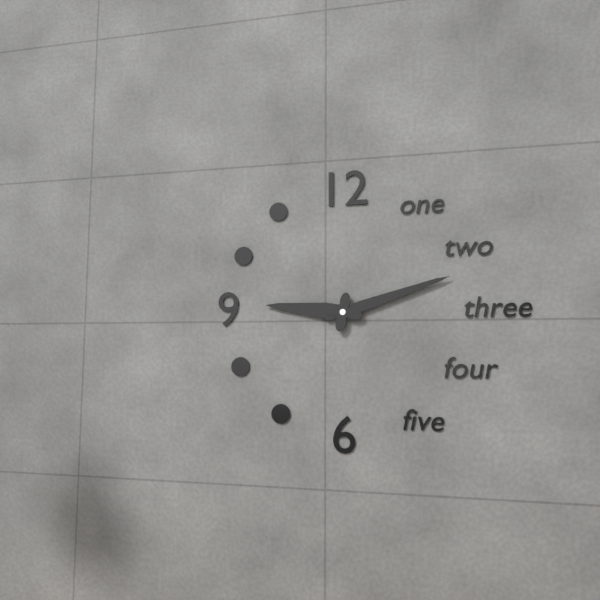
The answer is 9:12
